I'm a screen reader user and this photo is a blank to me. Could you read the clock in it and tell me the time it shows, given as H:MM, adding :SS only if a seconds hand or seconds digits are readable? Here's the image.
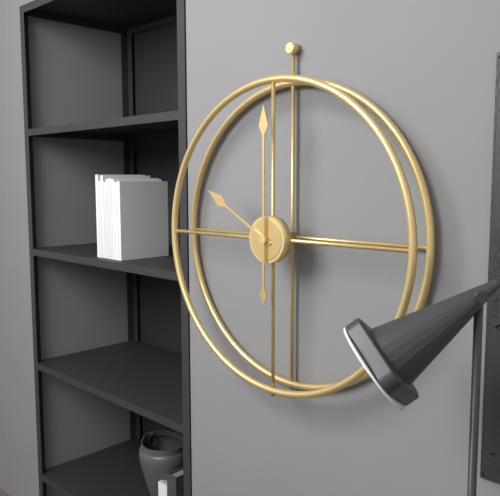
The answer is 10:00
